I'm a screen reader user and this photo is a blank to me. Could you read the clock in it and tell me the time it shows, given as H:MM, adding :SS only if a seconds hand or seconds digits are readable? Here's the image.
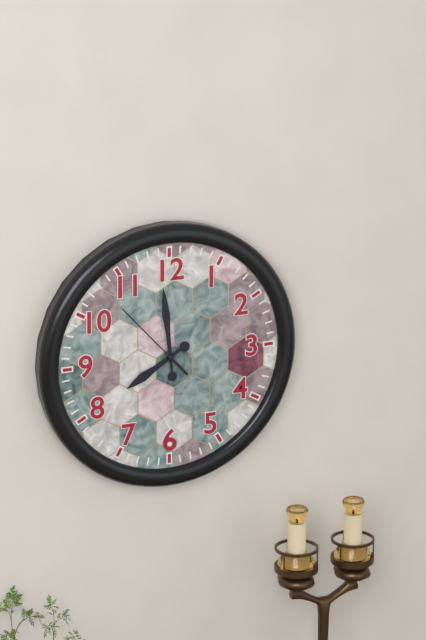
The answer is 7:59:53
